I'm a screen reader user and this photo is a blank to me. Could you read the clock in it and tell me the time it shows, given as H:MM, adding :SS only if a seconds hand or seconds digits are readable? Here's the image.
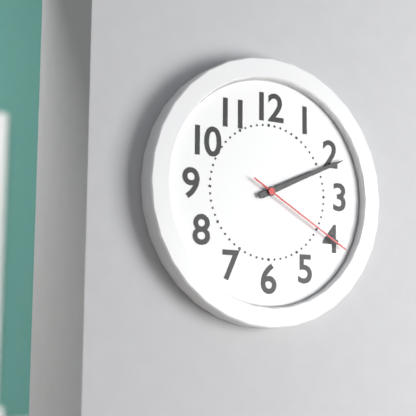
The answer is 2:11:20
